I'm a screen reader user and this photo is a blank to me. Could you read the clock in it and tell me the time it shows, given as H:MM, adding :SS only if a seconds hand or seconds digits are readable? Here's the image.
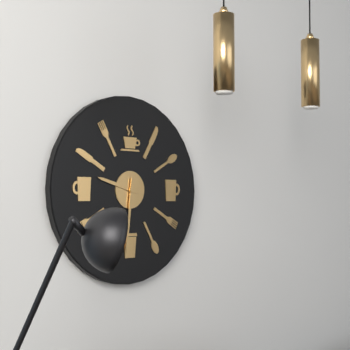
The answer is 9:31
